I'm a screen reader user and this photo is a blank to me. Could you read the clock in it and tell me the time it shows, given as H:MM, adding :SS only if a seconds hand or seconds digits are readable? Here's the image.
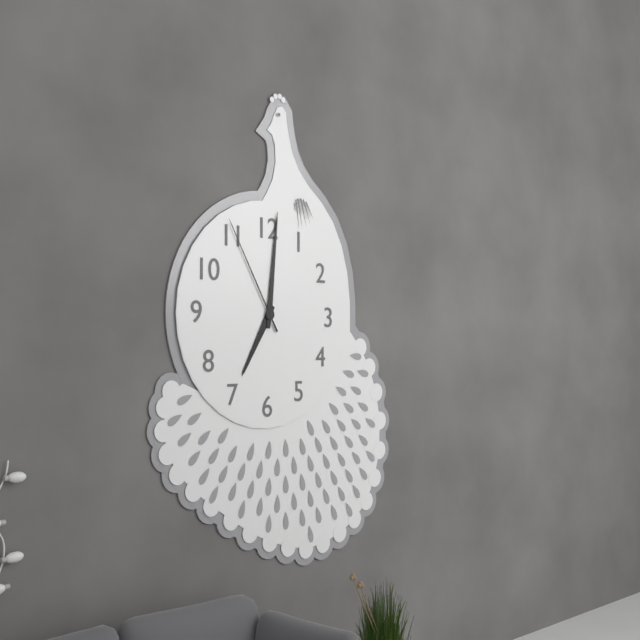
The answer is 7:01:55
